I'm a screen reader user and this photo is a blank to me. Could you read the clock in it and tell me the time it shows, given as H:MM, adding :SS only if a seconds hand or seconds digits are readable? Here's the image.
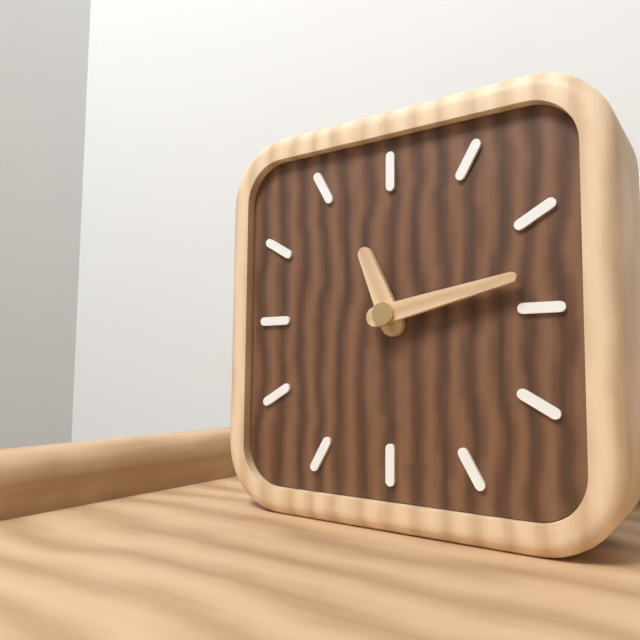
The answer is 11:13
